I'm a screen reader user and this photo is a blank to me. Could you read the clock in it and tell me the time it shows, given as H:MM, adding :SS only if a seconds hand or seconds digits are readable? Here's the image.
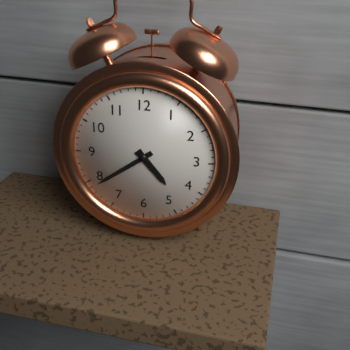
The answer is 4:39
